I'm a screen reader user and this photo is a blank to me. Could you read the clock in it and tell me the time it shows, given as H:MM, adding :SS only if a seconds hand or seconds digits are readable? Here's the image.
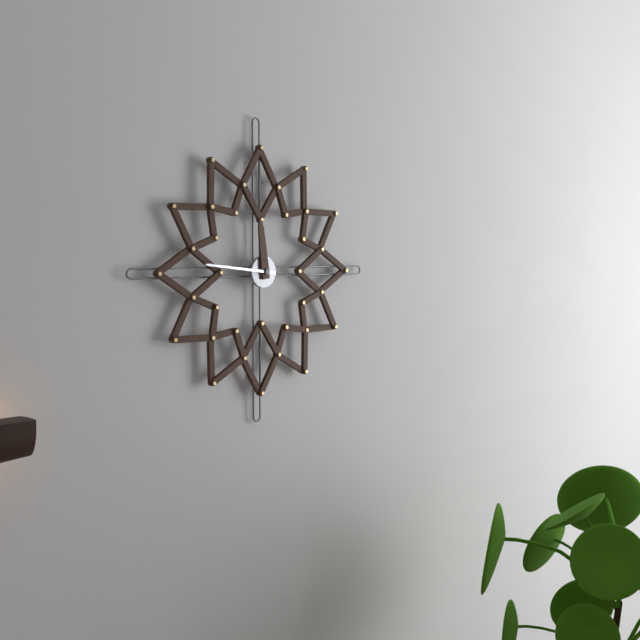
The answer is 11:46
